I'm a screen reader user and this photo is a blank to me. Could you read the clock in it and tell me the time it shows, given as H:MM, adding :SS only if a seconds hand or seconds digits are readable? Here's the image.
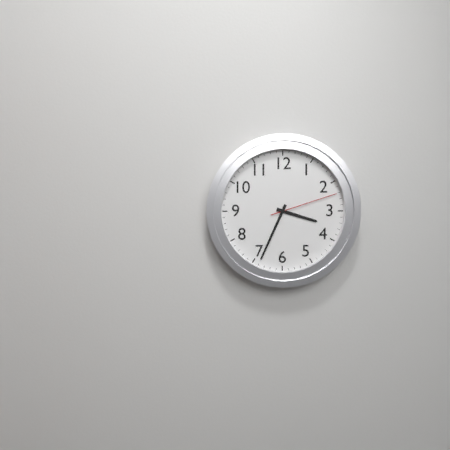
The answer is 3:34:12
